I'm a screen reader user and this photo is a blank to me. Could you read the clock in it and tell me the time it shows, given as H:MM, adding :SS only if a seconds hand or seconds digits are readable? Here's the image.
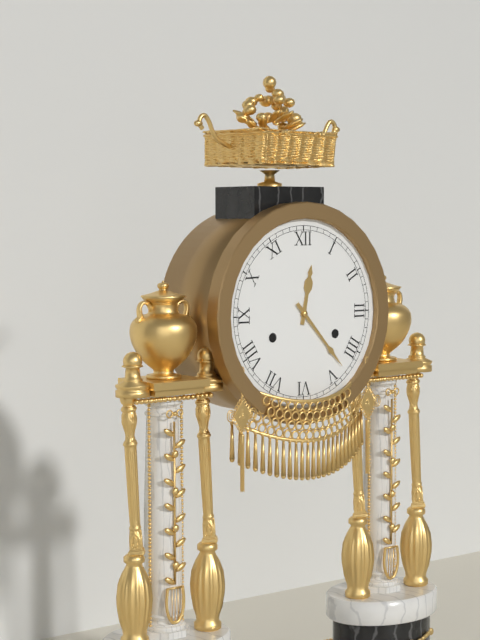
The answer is 12:23
